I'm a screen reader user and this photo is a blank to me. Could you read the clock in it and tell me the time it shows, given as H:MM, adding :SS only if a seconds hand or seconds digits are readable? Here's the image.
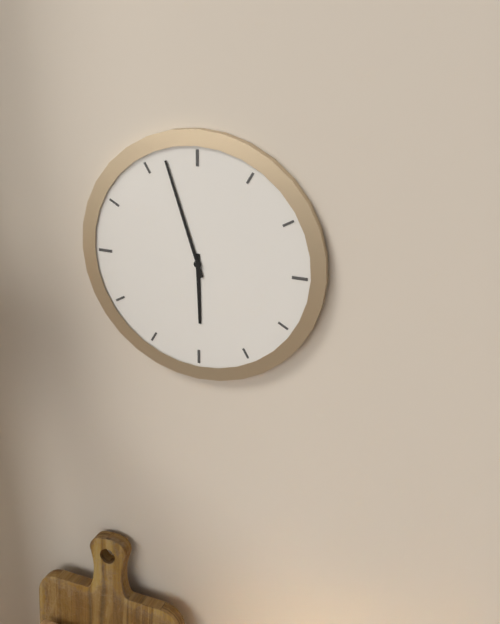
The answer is 5:57
